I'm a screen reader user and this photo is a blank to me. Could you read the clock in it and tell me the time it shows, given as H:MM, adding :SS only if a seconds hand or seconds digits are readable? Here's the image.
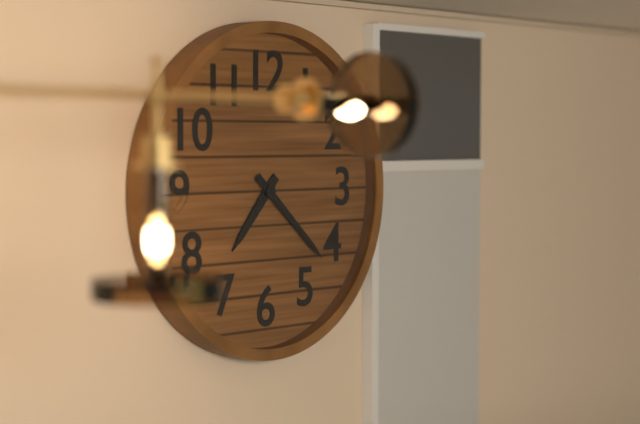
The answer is 7:22
